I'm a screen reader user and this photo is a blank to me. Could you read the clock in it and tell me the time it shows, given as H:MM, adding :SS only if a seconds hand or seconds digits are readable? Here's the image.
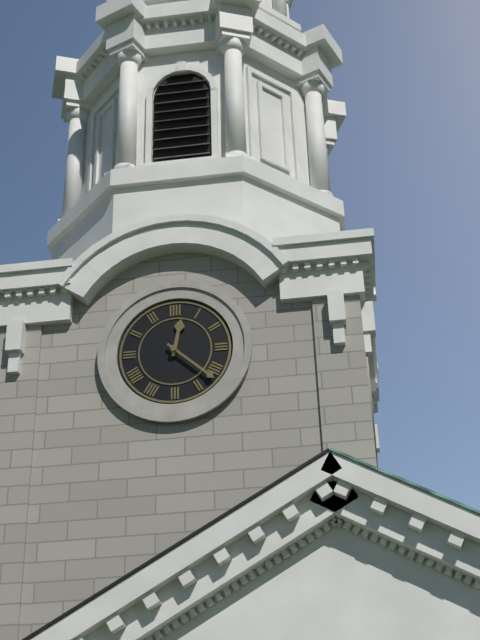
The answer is 12:22
